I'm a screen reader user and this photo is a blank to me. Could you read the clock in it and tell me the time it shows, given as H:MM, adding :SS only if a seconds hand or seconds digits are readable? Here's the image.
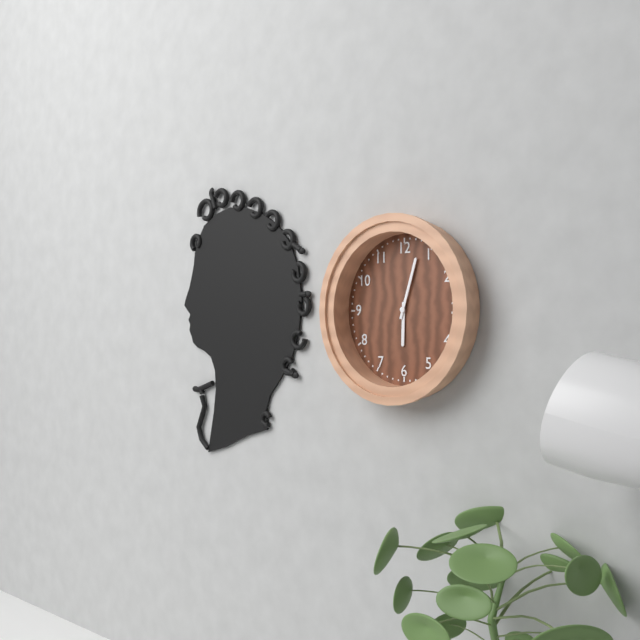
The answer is 6:03
